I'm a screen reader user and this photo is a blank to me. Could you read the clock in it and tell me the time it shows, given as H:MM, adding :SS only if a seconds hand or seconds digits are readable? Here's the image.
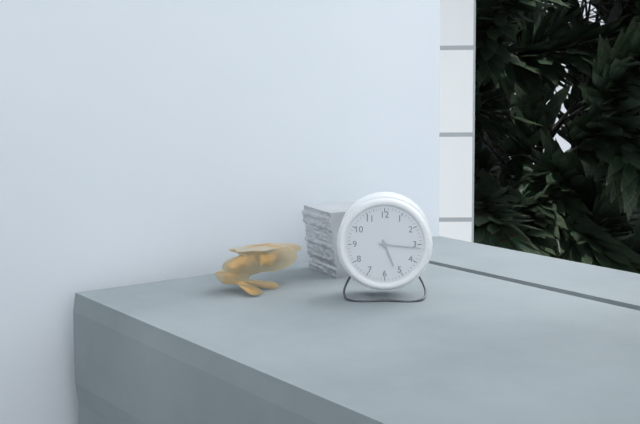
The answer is 5:16
